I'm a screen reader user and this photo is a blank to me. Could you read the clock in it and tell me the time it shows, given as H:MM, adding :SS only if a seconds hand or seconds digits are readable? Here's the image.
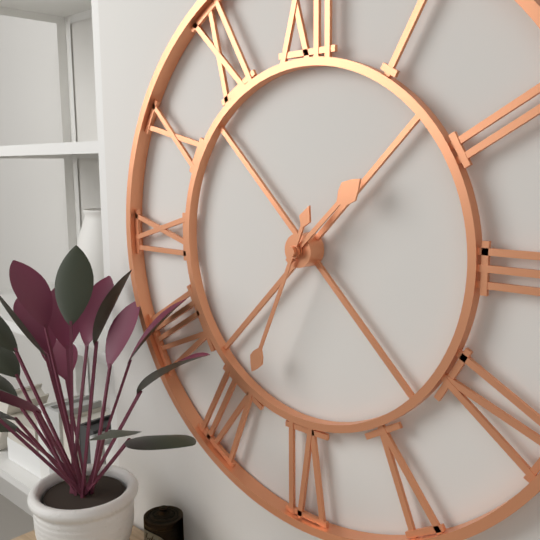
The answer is 1:34
